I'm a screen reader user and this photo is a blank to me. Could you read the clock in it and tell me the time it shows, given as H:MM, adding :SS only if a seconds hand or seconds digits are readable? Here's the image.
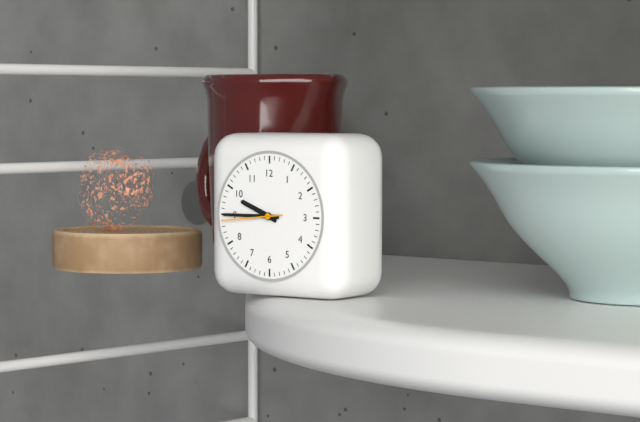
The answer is 9:45:44
